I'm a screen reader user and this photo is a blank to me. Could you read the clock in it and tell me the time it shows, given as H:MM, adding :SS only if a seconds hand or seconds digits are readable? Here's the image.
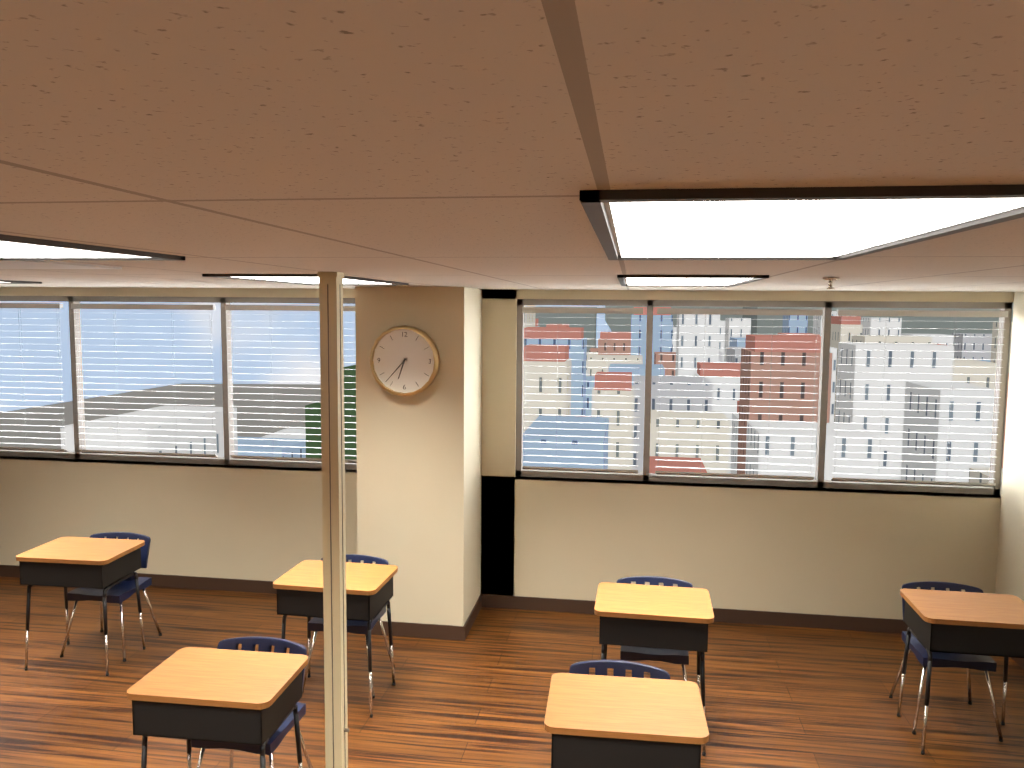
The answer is 6:37
